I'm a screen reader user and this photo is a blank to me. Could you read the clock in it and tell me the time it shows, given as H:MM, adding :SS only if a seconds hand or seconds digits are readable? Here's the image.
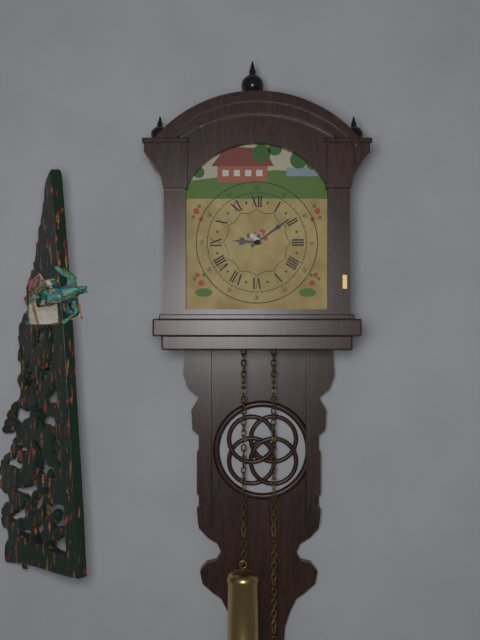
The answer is 9:09
